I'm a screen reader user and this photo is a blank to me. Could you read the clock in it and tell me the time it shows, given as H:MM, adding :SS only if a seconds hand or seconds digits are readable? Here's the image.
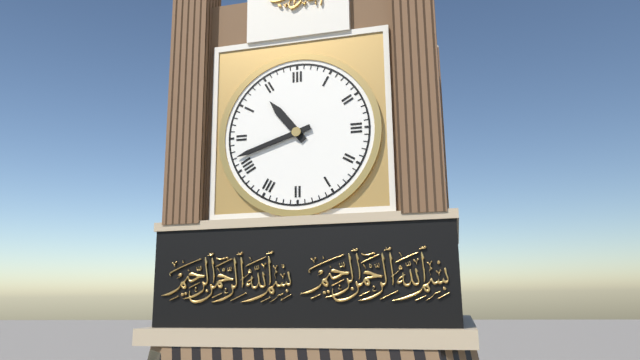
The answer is 10:42
